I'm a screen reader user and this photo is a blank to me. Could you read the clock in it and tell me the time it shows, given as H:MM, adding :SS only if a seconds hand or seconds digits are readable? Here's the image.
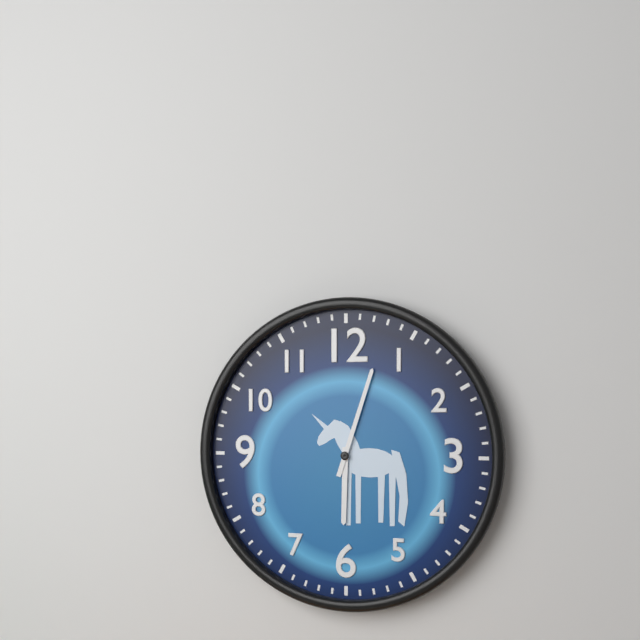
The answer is 6:03
